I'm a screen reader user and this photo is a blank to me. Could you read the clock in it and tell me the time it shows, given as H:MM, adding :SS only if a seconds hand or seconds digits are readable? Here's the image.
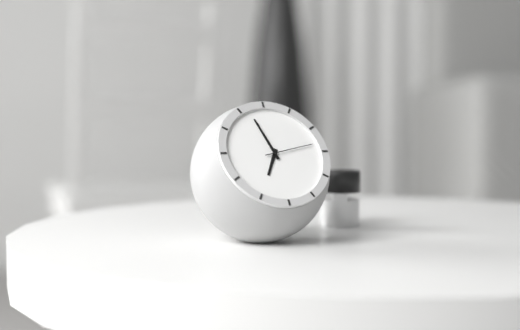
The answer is 6:57:13
